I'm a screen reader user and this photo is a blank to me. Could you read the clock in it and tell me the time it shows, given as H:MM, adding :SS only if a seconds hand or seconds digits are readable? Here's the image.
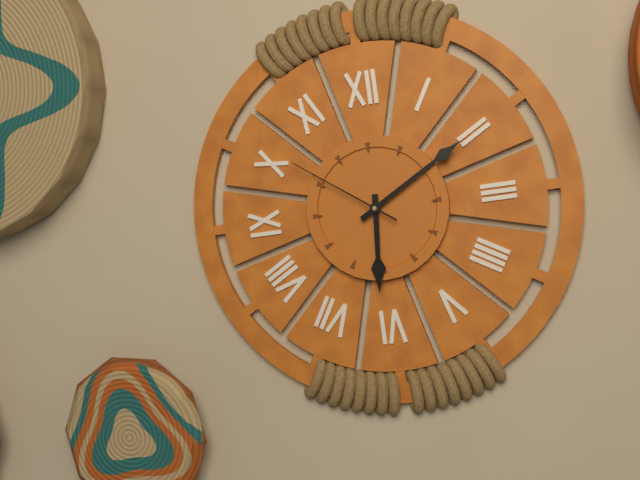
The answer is 6:10:51
